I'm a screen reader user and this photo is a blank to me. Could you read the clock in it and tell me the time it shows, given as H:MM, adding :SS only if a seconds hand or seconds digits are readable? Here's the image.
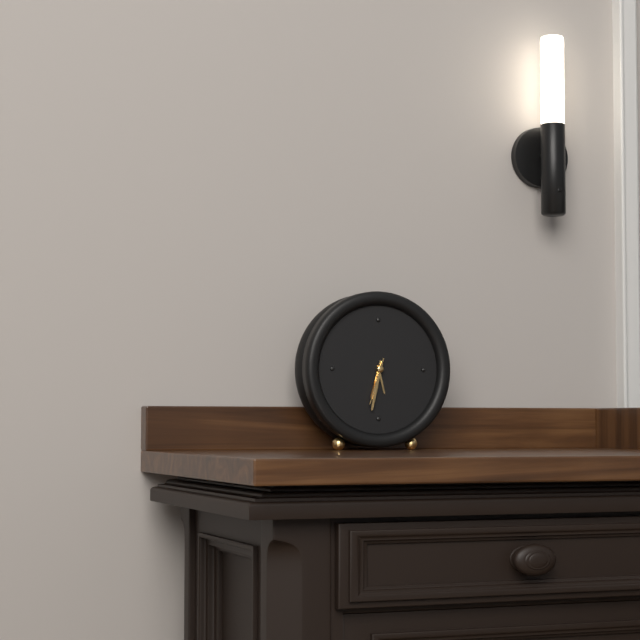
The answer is 6:32
